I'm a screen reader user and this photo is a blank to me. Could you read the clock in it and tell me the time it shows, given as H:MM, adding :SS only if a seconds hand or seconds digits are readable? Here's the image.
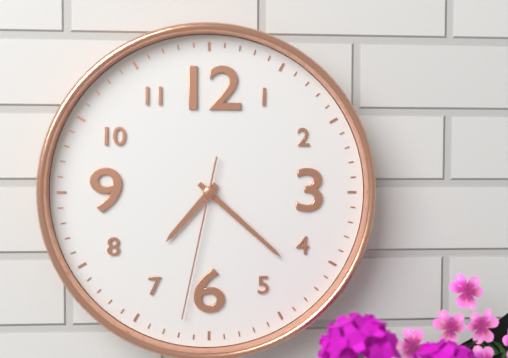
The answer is 7:22:32
